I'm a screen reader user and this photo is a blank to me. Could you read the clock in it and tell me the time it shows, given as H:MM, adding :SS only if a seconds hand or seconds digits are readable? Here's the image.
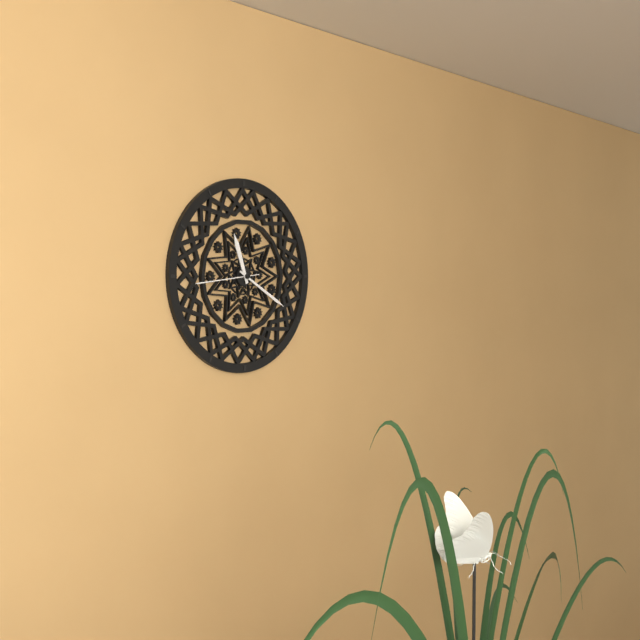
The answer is 11:20:44
